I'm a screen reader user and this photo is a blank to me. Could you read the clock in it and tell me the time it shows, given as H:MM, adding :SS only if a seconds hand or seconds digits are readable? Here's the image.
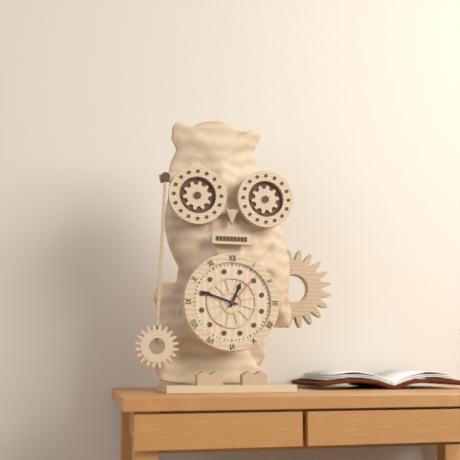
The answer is 12:48
